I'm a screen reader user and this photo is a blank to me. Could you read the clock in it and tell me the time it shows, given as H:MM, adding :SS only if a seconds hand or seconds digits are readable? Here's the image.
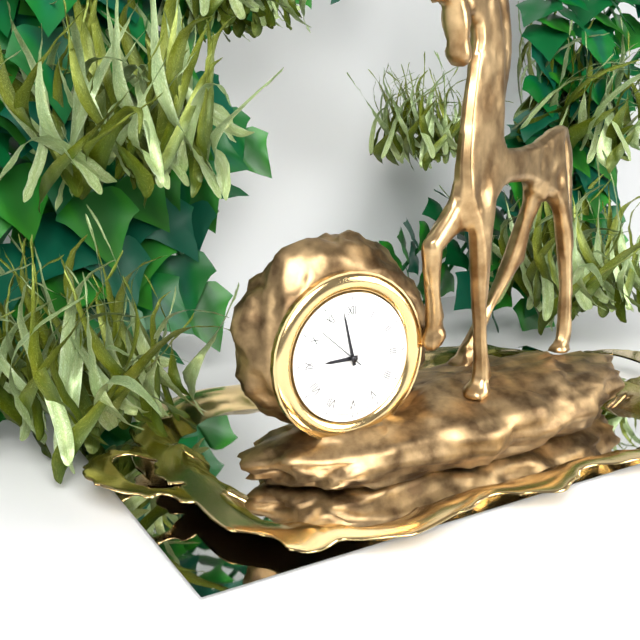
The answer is 8:58:52
